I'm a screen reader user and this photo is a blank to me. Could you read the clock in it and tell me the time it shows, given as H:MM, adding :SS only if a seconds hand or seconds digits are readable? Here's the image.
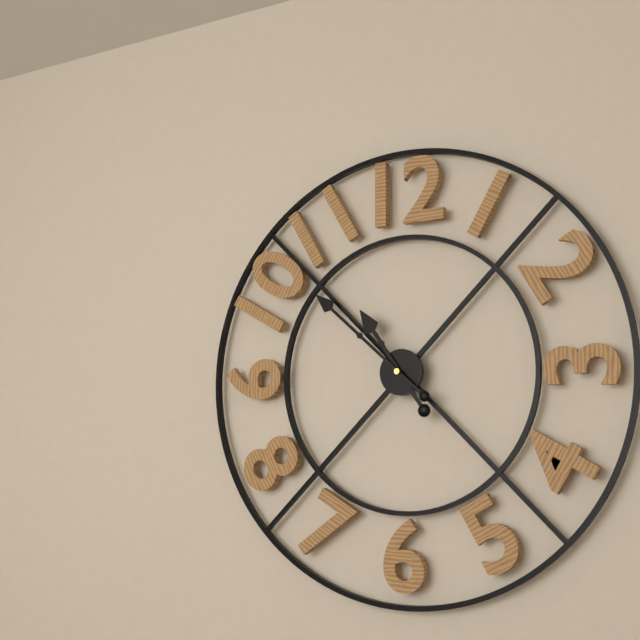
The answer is 10:52
